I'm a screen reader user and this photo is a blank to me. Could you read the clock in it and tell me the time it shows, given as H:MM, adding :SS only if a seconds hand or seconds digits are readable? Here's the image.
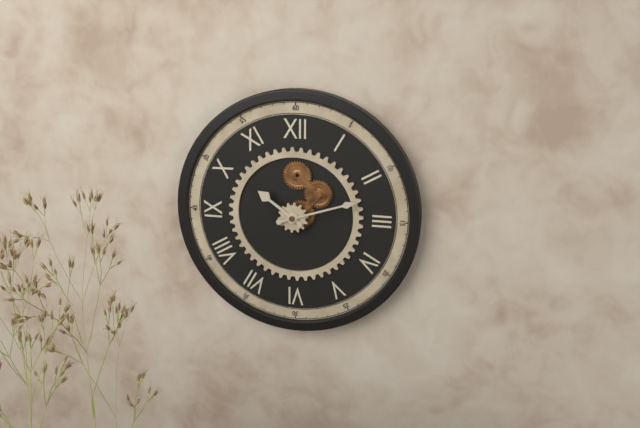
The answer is 10:12
